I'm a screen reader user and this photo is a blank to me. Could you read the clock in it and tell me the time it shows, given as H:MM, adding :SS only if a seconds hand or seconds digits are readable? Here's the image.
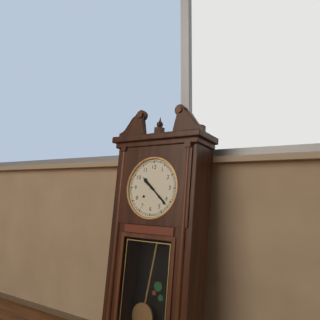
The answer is 10:22
